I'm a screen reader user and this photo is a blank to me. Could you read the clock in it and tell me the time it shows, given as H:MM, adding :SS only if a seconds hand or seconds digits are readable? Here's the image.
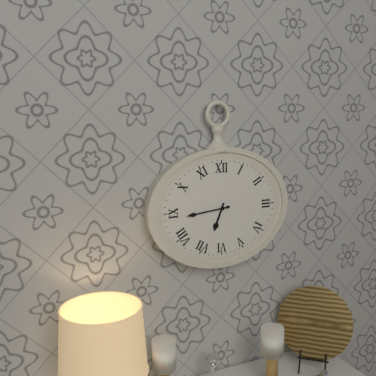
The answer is 6:44
